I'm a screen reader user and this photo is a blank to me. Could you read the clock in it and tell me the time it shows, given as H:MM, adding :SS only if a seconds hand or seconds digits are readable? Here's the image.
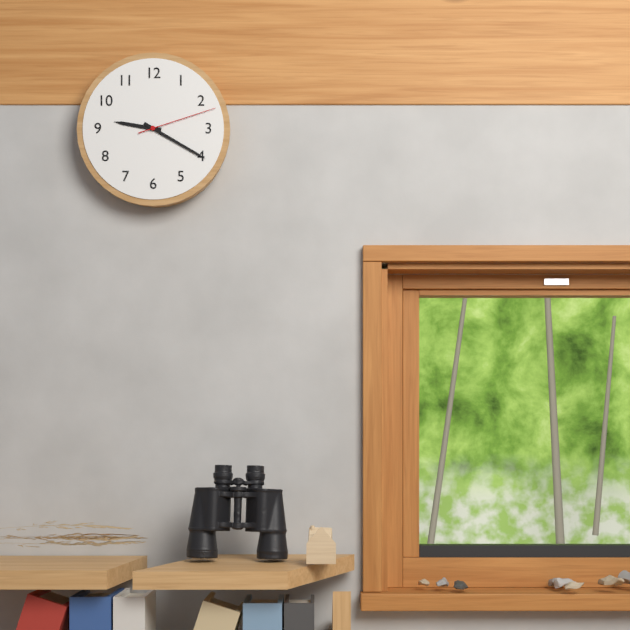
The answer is 9:20:12
